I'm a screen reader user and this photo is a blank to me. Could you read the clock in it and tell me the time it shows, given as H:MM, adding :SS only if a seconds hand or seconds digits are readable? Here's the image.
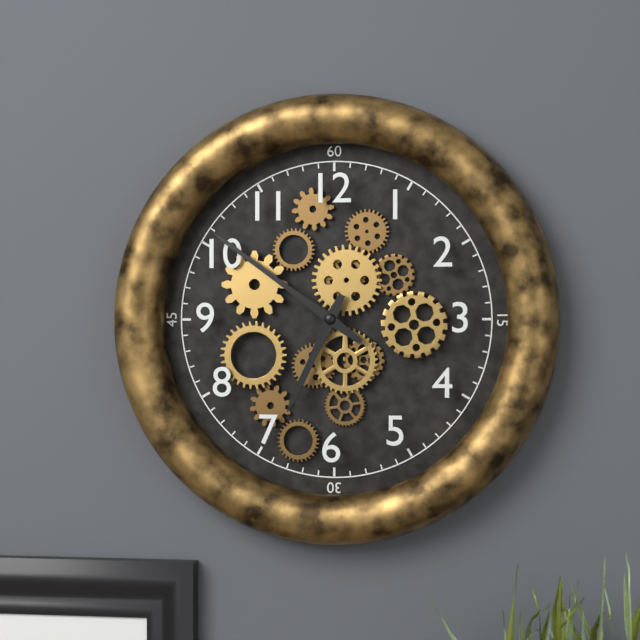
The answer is 6:51
